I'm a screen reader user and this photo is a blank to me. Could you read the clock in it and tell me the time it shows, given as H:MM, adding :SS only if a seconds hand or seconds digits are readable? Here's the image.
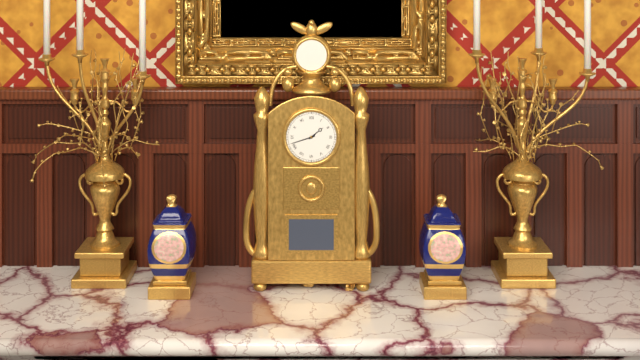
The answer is 1:42
